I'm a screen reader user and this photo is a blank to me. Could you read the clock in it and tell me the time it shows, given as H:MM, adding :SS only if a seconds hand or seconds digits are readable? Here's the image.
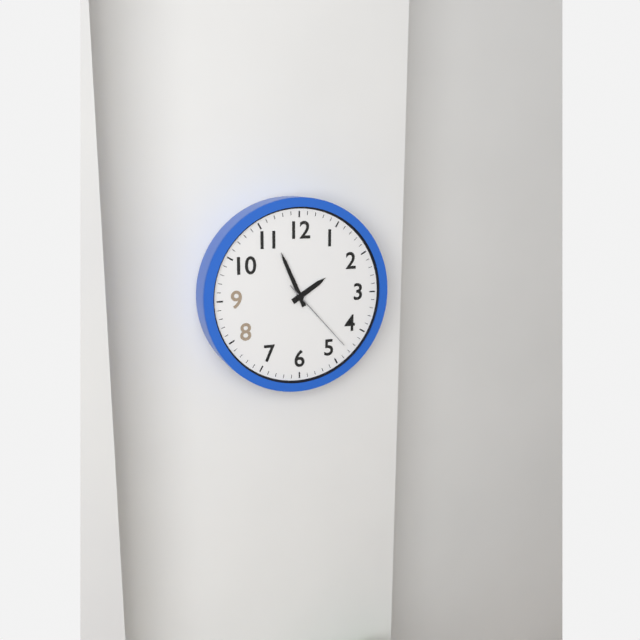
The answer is 1:56:23
